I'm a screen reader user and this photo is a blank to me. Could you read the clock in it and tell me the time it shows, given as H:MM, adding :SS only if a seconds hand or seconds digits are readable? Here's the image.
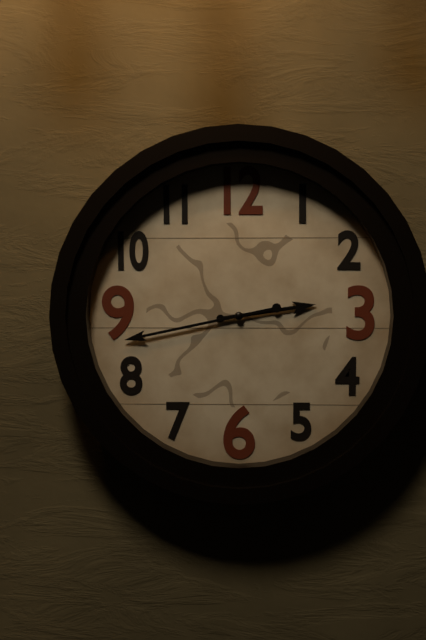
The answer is 2:43
